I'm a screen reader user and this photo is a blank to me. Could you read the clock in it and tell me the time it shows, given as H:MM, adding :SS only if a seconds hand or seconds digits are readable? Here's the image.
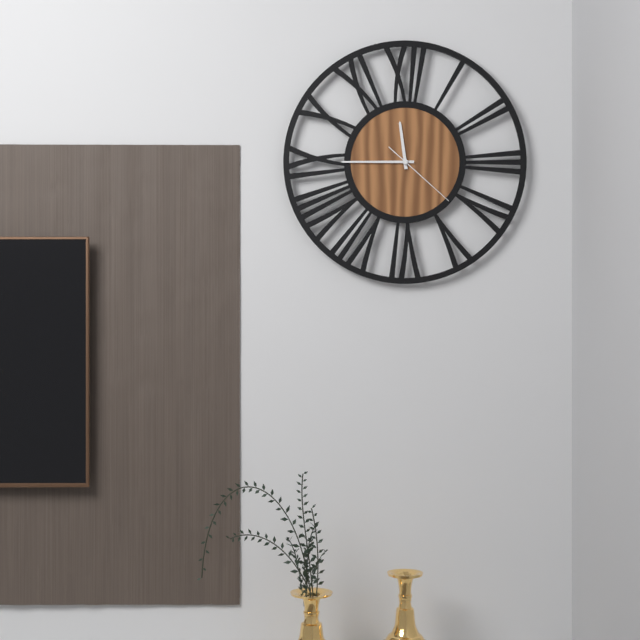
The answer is 11:45:22
